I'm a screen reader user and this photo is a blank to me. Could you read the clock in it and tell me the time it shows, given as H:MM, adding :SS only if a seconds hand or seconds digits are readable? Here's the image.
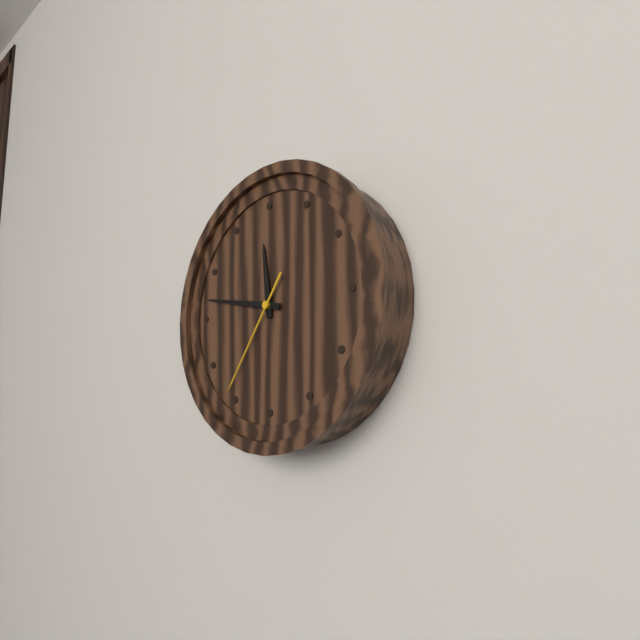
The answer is 11:47:36
